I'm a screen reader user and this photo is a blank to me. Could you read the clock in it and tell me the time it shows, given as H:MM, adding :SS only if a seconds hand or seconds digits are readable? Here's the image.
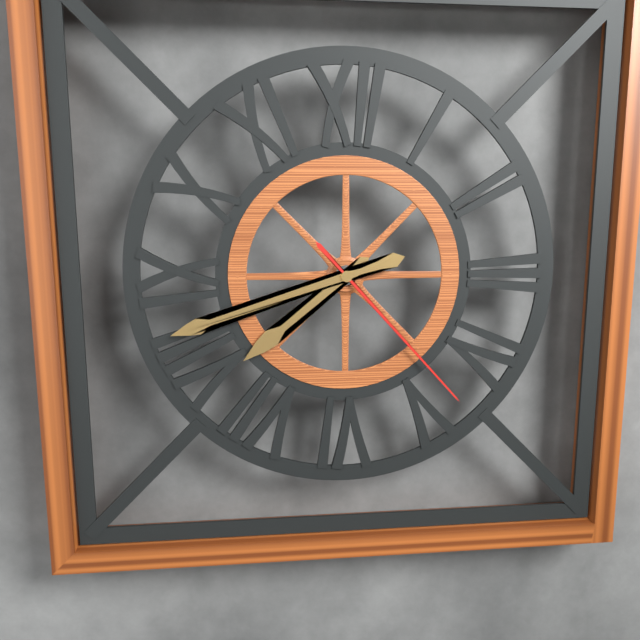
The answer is 7:42:23
